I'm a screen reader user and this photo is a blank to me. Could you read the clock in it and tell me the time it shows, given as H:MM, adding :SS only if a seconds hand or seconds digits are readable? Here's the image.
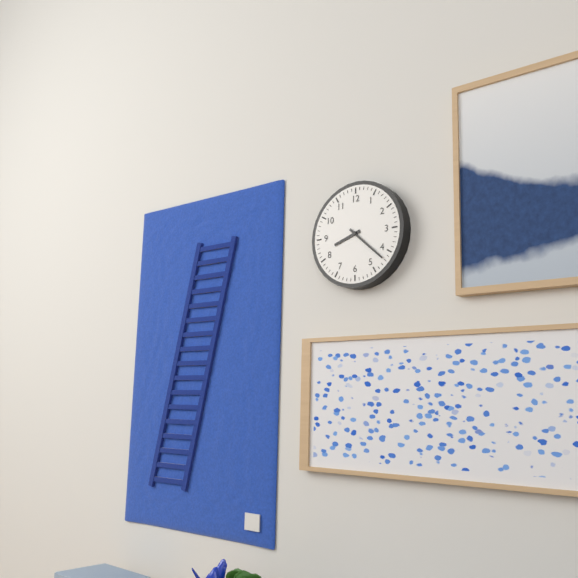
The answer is 8:22
